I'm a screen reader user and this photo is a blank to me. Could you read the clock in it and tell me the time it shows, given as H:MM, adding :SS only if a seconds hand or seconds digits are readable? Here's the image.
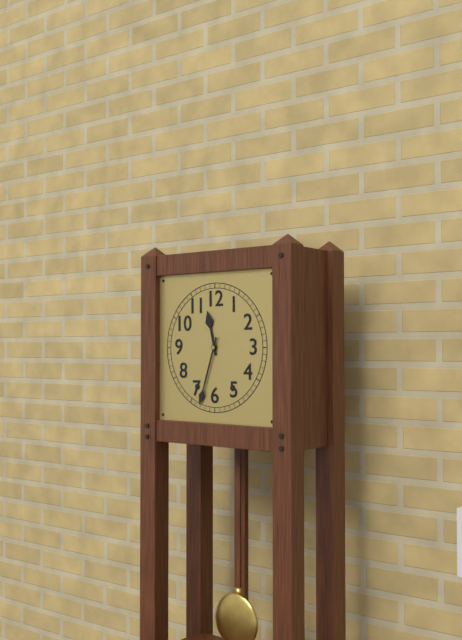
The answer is 11:33
